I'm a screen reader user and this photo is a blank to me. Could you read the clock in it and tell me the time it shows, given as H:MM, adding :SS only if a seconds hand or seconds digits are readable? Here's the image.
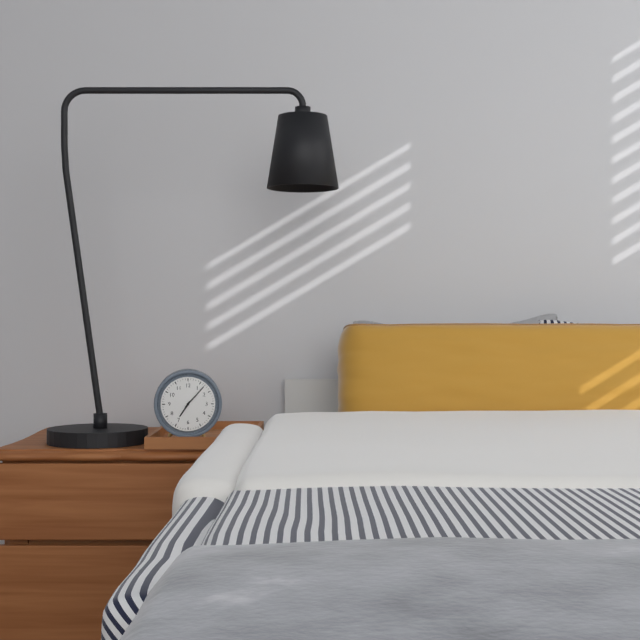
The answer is 7:07
